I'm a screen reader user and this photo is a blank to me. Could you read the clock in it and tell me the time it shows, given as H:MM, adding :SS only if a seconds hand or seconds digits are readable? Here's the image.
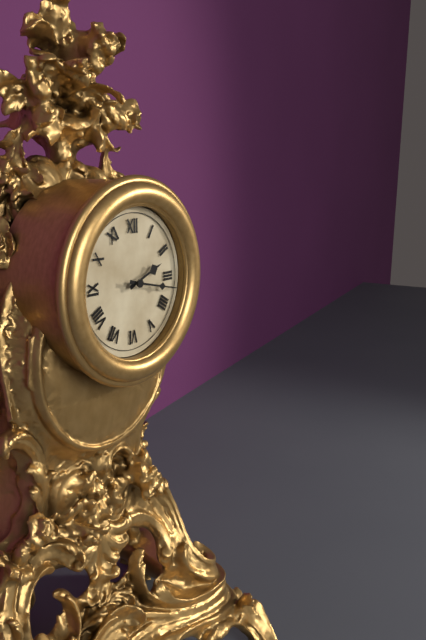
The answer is 2:17
